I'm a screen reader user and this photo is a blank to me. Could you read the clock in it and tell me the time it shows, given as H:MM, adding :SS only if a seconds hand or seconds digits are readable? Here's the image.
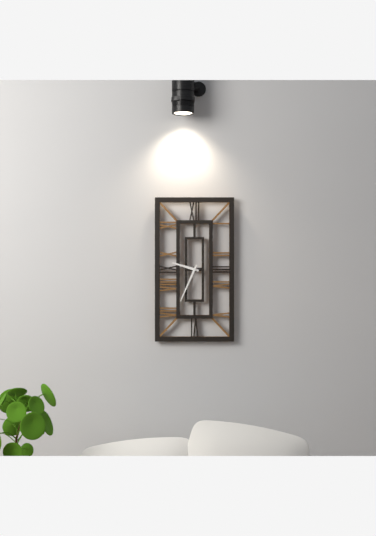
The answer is 9:34
